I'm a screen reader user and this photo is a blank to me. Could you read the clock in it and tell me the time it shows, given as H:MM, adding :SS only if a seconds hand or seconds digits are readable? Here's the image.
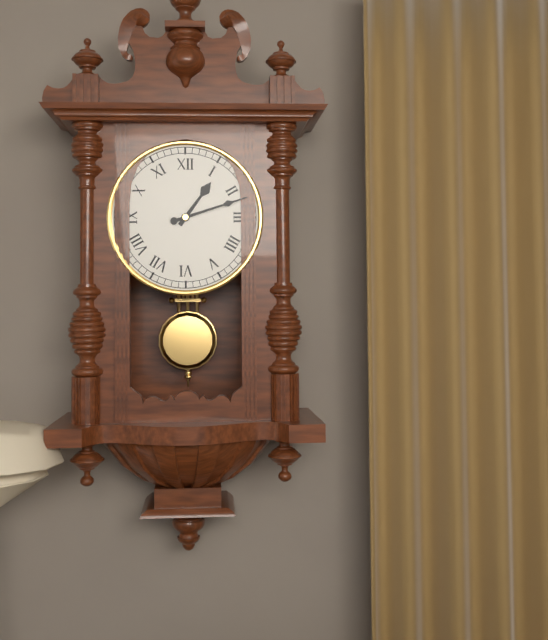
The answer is 1:12
